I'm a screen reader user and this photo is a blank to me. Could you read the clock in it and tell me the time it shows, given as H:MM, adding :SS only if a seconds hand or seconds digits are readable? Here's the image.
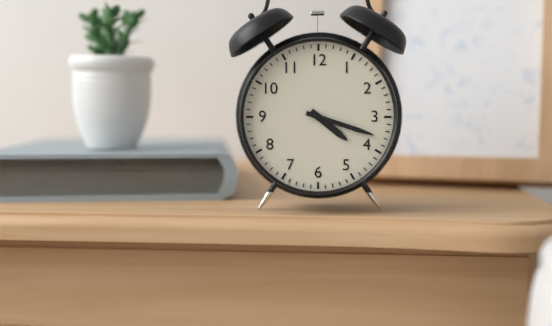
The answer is 4:18
